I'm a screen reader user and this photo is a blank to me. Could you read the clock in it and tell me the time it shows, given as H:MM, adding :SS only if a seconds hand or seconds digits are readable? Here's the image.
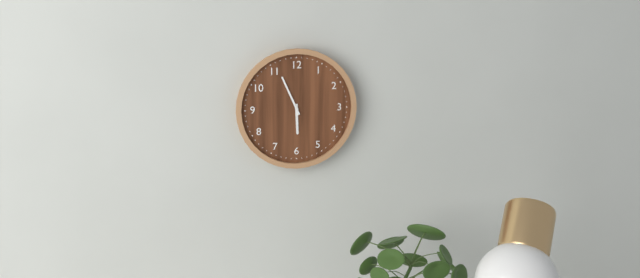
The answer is 5:56
